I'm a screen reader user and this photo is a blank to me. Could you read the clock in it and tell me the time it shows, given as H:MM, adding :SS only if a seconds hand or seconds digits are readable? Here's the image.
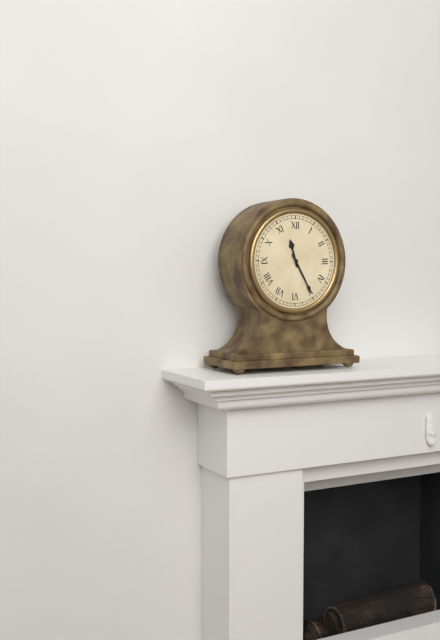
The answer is 11:25
